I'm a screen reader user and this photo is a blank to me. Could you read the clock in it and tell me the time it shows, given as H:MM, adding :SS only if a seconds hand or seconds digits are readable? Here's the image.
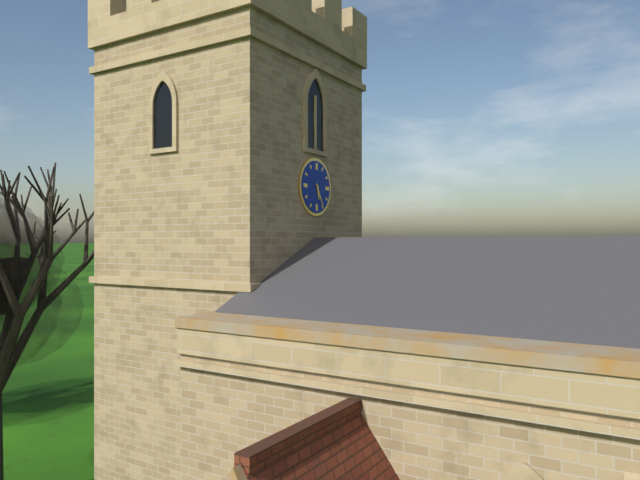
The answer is 5:25
